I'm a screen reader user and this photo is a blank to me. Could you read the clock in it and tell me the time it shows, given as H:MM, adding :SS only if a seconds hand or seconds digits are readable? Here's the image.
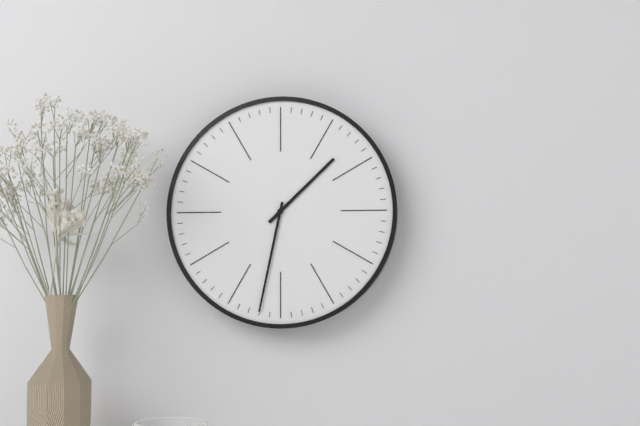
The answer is 1:32
